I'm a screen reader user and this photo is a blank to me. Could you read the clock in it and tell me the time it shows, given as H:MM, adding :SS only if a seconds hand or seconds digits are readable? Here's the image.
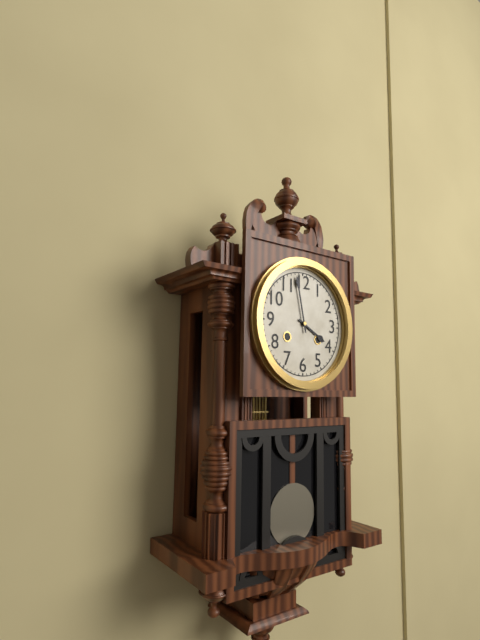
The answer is 3:58
